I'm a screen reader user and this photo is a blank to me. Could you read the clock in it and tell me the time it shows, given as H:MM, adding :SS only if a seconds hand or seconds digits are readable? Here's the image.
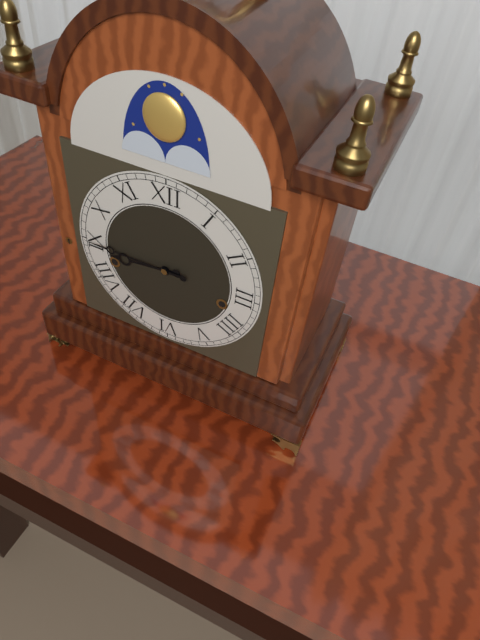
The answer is 8:45
